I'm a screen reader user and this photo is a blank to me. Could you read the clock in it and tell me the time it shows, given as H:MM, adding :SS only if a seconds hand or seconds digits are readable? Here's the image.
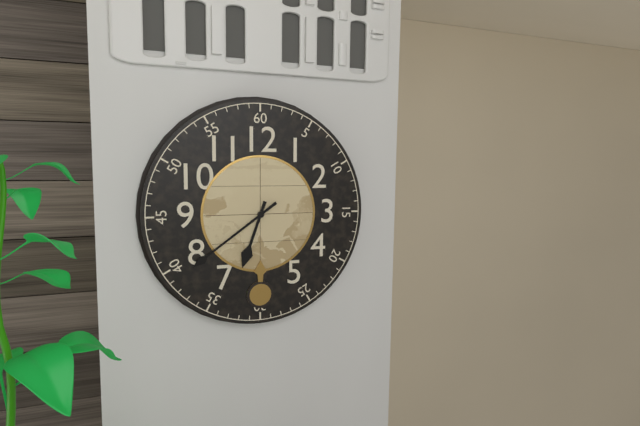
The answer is 6:39
